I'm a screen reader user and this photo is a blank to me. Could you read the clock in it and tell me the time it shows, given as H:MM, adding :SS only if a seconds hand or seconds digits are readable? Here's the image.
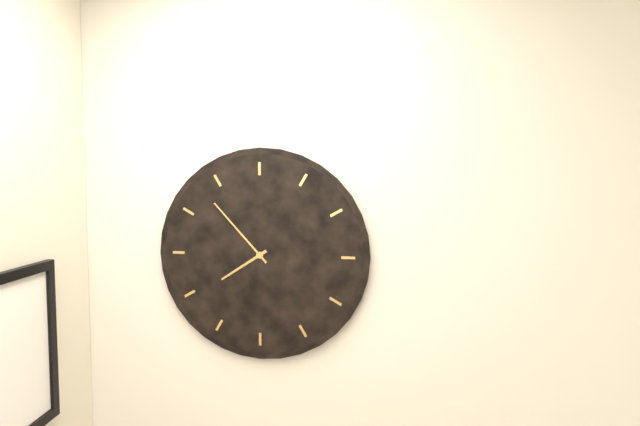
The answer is 7:53
